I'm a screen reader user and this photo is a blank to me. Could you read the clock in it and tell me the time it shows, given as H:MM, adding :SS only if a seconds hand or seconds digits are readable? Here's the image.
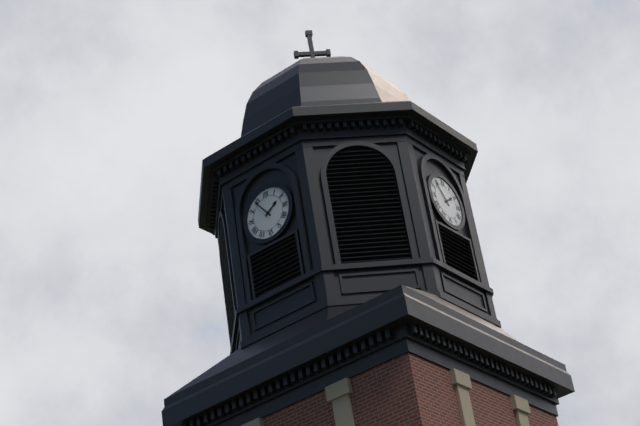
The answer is 1:54
